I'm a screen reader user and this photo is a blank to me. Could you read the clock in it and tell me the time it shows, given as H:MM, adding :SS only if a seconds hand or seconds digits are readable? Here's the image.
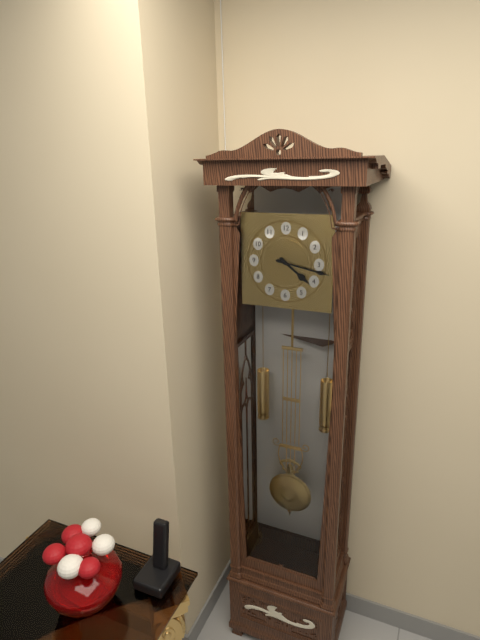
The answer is 4:17
